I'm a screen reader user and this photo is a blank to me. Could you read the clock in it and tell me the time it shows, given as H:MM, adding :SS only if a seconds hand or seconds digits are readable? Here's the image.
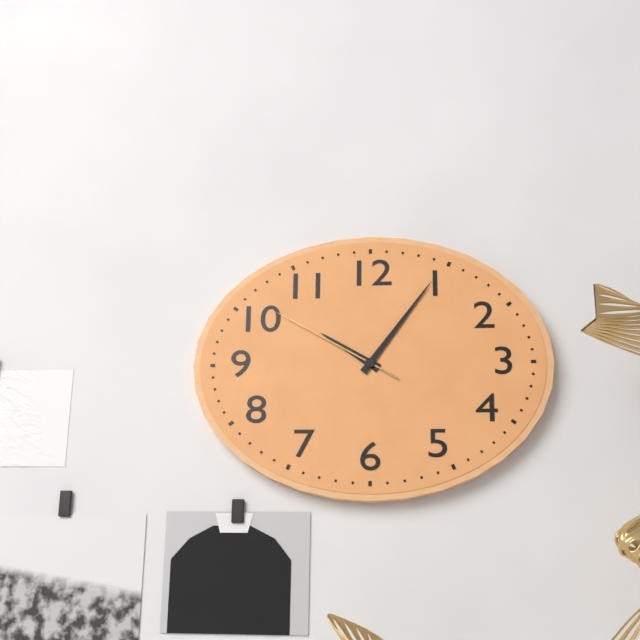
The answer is 10:06:50
